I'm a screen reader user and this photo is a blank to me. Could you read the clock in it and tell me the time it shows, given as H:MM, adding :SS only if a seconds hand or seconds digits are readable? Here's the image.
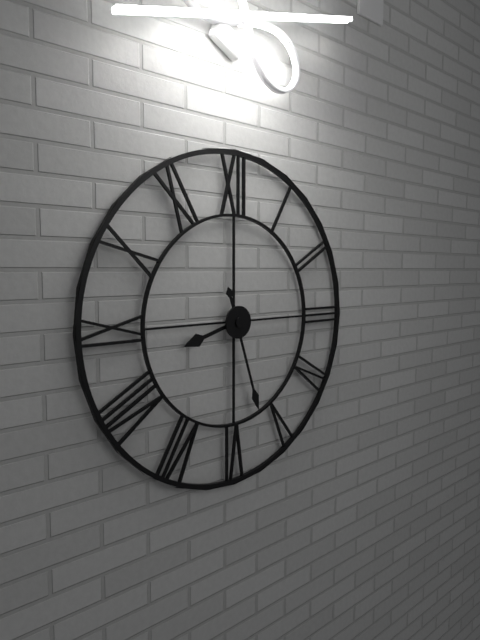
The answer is 8:27
